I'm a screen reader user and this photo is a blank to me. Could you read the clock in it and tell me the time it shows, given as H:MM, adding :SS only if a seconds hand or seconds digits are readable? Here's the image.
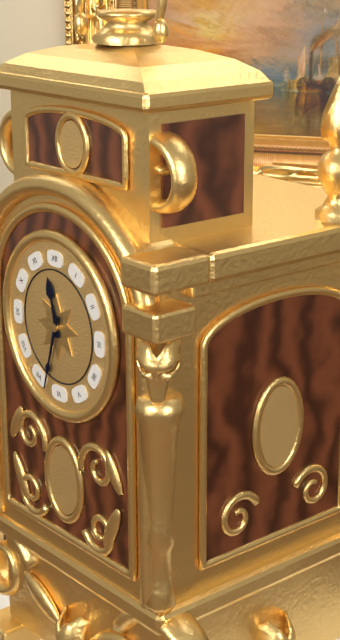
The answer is 11:33
